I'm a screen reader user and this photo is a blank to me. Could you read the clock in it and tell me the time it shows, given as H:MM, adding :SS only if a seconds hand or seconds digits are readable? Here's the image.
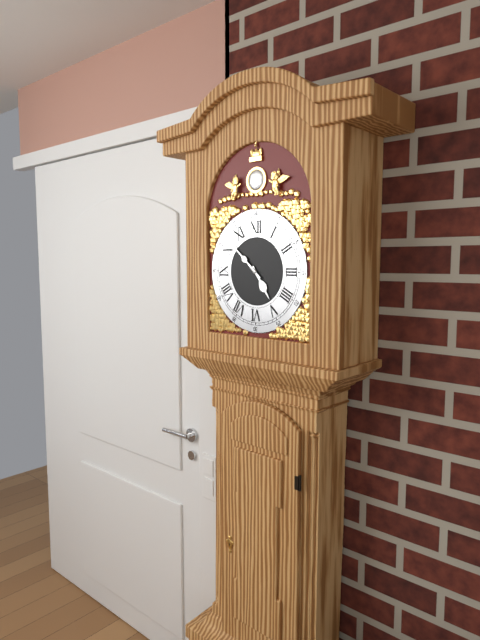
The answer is 4:52
